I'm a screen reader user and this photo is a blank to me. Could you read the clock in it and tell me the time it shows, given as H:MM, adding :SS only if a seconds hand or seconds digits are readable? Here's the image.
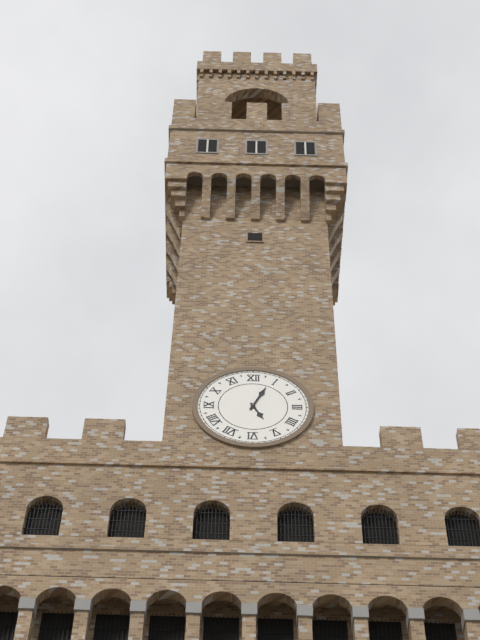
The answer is 5:04
